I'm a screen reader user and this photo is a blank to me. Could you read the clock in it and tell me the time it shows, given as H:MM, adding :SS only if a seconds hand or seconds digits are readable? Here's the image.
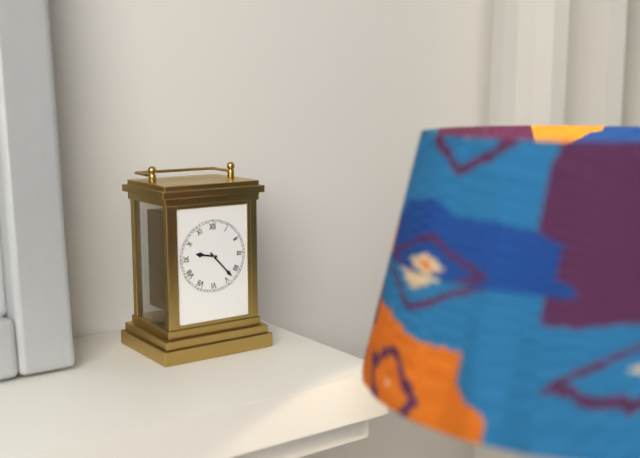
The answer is 9:23
